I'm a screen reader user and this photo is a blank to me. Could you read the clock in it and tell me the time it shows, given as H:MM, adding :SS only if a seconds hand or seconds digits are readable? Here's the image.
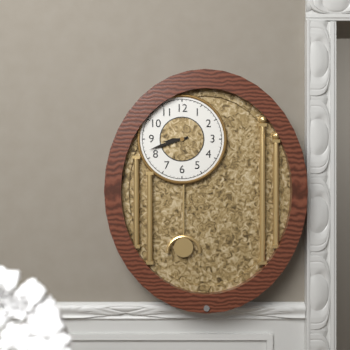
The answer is 8:42
